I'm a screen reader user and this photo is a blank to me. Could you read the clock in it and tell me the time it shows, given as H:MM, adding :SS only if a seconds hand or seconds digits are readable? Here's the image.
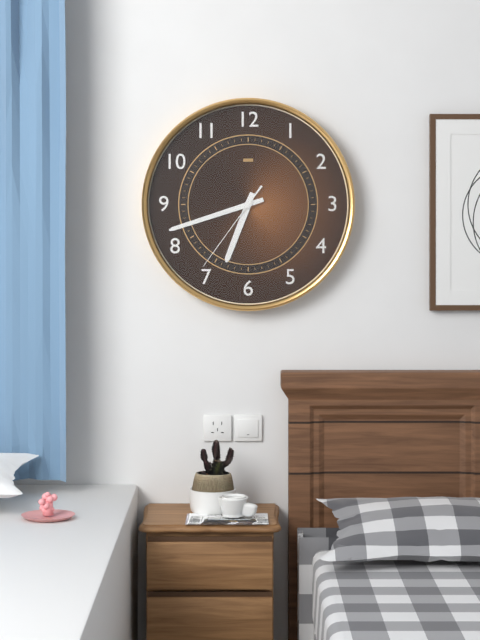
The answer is 6:42:36
